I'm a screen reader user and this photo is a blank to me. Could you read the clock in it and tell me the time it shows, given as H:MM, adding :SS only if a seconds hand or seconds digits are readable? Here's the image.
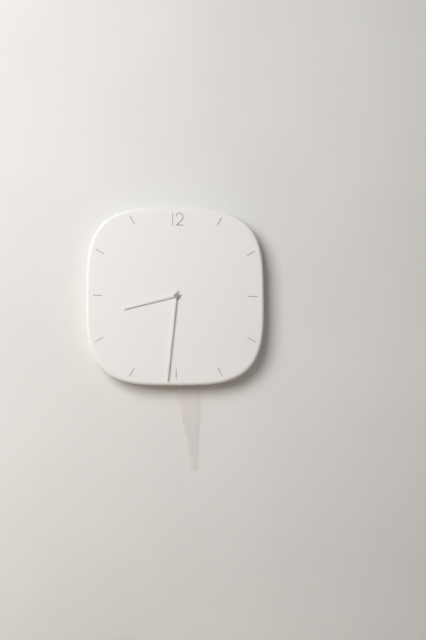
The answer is 8:31
